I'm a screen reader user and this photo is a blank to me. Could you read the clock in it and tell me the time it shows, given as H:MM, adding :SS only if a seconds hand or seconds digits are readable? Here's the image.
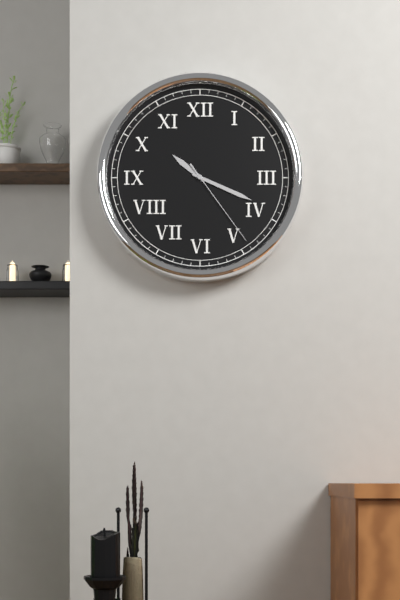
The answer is 10:19:24
